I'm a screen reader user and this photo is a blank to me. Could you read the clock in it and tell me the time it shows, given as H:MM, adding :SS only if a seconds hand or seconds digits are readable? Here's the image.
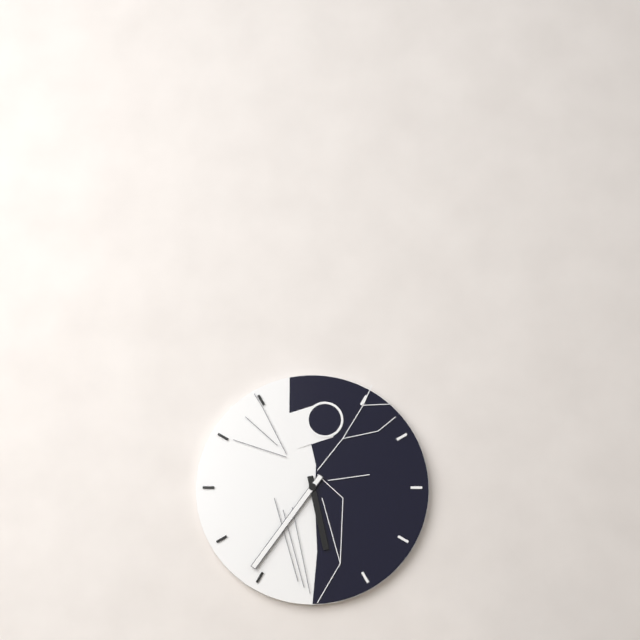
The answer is 5:36
